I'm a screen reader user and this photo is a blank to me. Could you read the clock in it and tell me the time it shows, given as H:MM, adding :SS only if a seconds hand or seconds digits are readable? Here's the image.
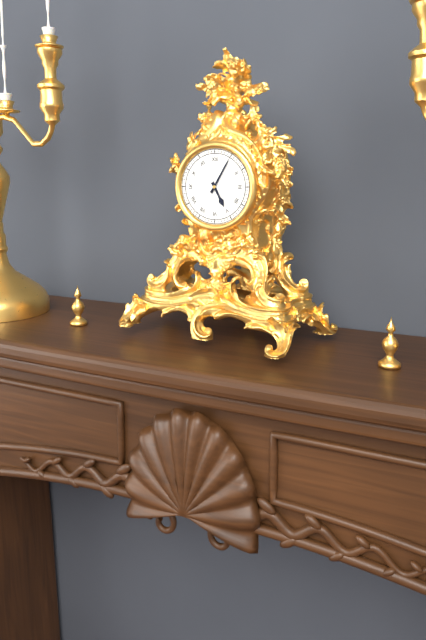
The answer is 5:05
